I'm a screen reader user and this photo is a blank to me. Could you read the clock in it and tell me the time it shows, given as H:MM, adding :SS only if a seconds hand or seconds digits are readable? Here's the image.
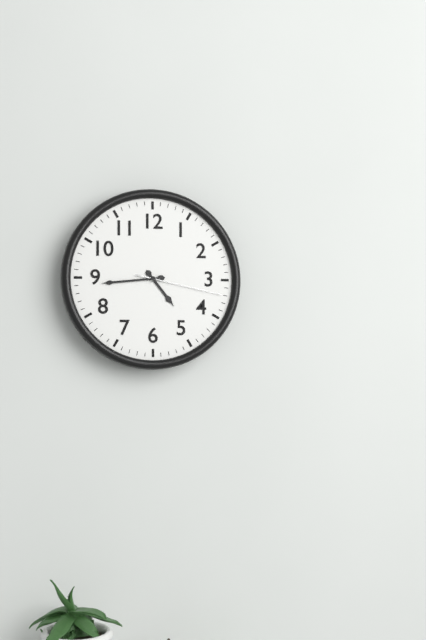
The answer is 4:44:17
